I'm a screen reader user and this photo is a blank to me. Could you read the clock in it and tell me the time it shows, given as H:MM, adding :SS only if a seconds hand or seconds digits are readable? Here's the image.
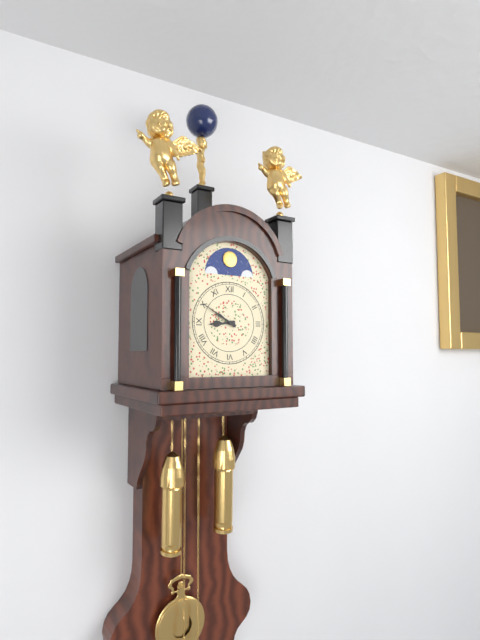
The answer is 8:50
